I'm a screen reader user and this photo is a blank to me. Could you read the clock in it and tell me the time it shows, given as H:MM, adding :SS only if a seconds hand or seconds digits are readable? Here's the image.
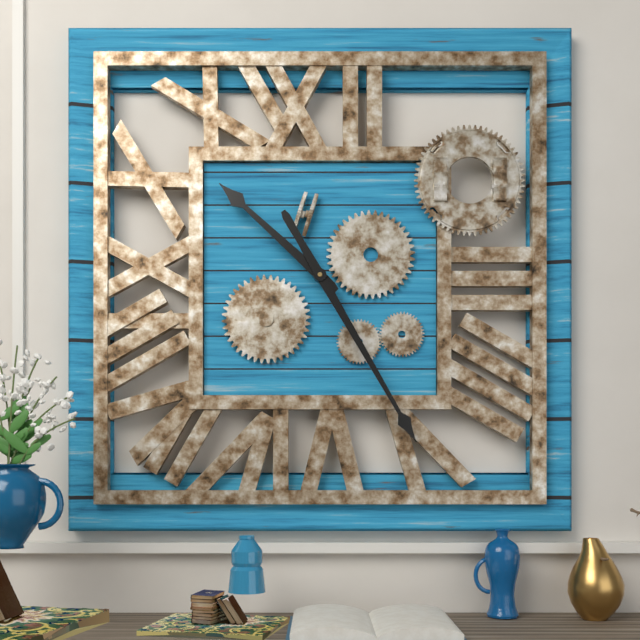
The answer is 10:25
